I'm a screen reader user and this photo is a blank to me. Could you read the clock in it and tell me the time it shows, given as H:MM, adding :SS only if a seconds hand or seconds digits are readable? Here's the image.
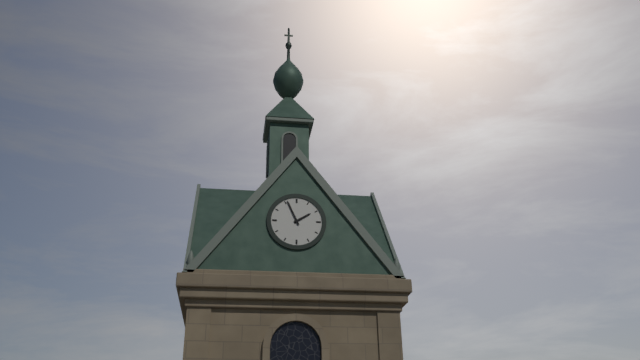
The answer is 1:56
